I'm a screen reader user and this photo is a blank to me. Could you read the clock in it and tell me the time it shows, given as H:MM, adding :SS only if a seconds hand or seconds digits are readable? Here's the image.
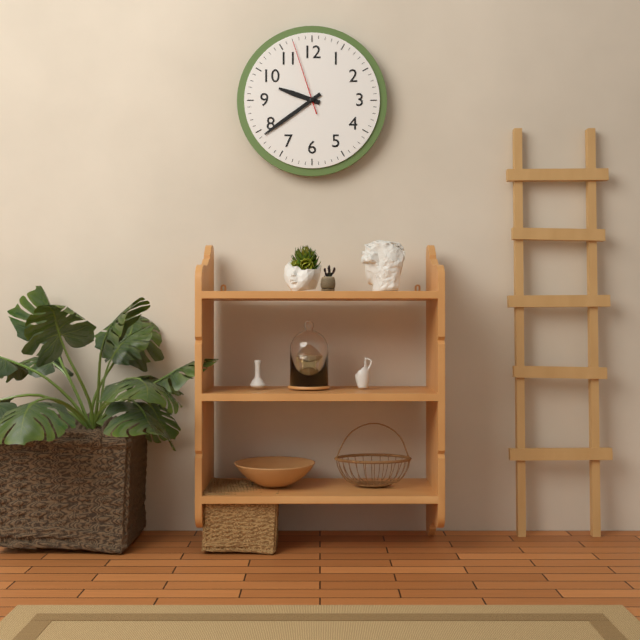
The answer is 9:39:57
